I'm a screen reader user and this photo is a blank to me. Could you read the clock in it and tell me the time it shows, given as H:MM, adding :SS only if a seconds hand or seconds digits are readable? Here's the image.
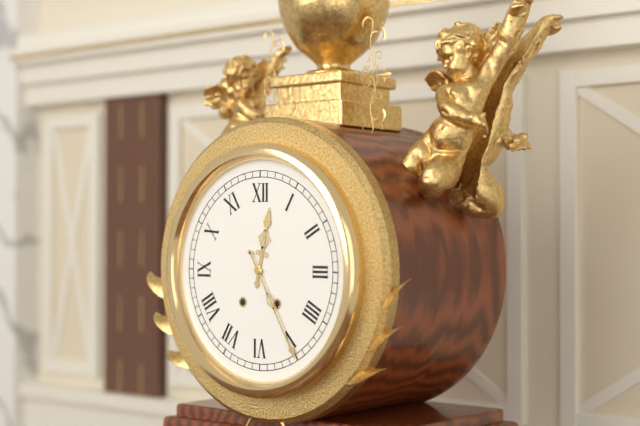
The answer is 12:25
